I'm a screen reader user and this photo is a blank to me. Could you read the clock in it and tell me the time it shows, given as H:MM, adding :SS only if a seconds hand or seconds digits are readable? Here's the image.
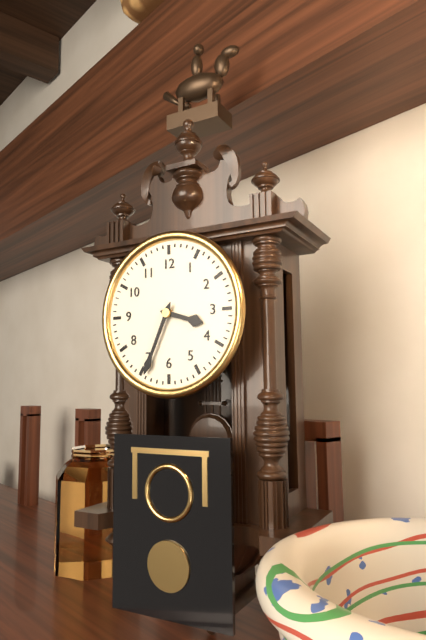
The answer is 3:34
